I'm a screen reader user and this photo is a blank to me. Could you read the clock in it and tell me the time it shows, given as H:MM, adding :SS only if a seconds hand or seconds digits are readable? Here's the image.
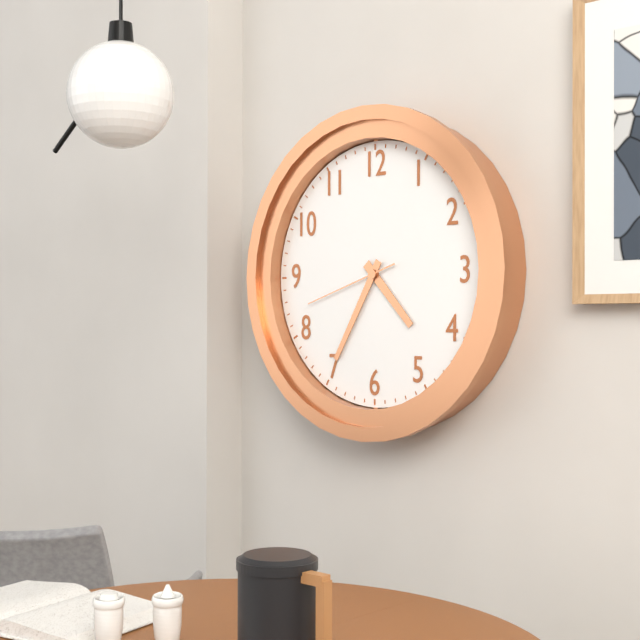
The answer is 4:35:42
